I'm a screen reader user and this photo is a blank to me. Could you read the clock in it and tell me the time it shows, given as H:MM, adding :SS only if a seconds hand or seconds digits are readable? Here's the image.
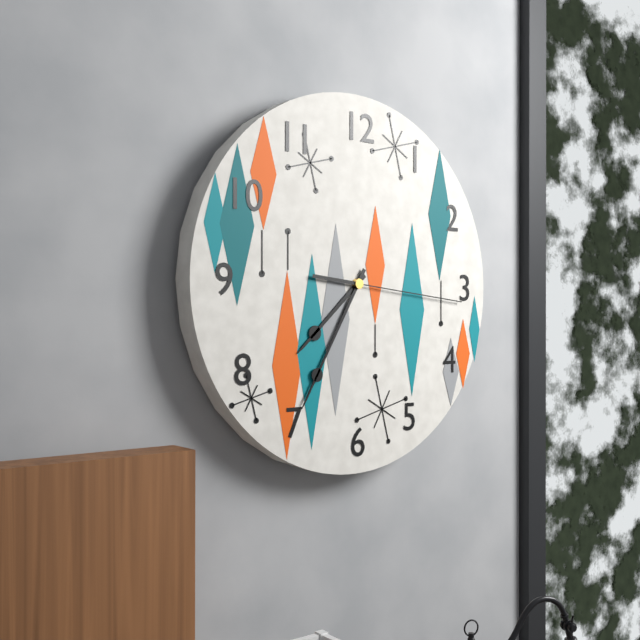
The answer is 7:35:16
